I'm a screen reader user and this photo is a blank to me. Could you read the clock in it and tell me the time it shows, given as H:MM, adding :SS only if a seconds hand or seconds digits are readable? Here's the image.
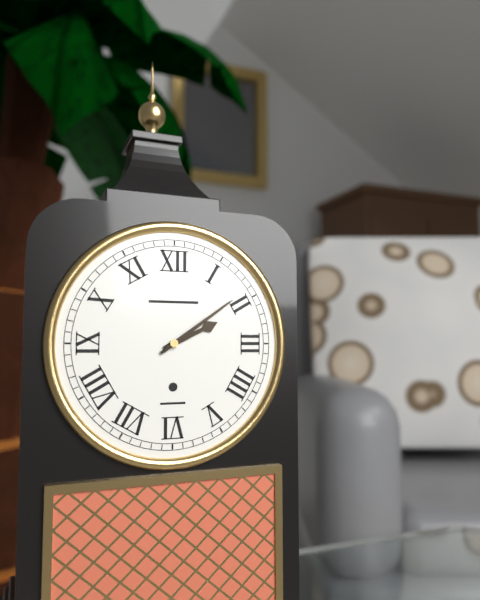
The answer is 2:09
